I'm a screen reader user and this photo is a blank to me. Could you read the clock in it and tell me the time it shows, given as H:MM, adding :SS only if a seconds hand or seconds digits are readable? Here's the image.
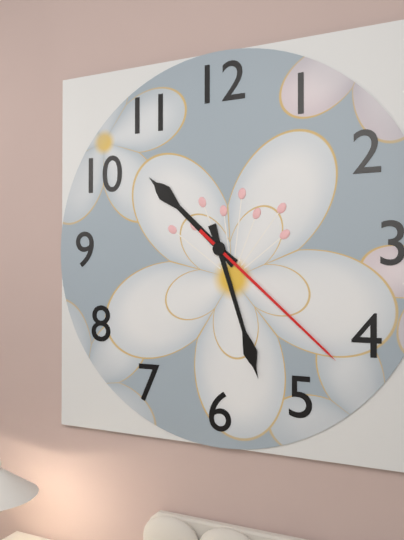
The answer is 10:27:22
